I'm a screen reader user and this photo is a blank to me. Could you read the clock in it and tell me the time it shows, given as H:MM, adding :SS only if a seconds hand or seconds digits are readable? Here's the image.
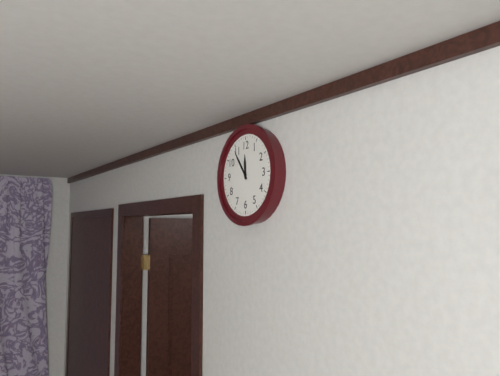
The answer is 11:54
